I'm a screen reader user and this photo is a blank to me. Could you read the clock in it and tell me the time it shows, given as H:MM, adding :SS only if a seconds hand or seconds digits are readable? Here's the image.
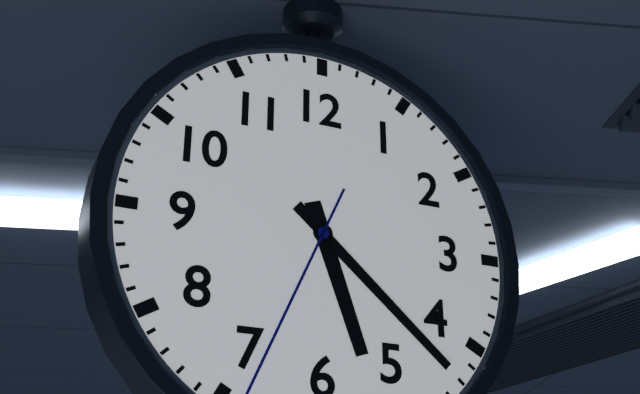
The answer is 5:22
